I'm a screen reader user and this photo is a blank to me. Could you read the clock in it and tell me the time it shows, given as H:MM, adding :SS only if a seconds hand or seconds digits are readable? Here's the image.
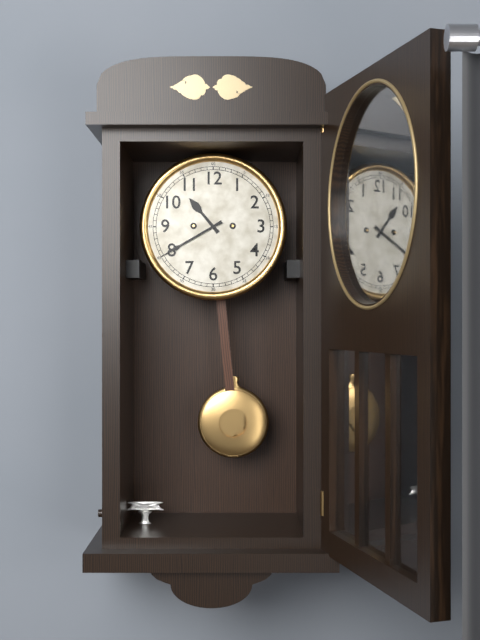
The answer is 10:40
